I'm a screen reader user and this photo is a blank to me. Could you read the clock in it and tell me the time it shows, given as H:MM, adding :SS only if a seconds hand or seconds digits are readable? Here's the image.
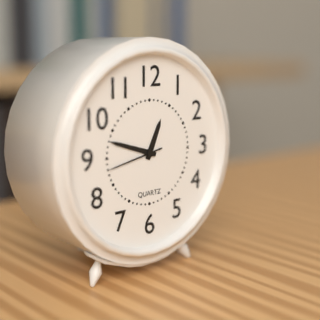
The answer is 12:48:43
